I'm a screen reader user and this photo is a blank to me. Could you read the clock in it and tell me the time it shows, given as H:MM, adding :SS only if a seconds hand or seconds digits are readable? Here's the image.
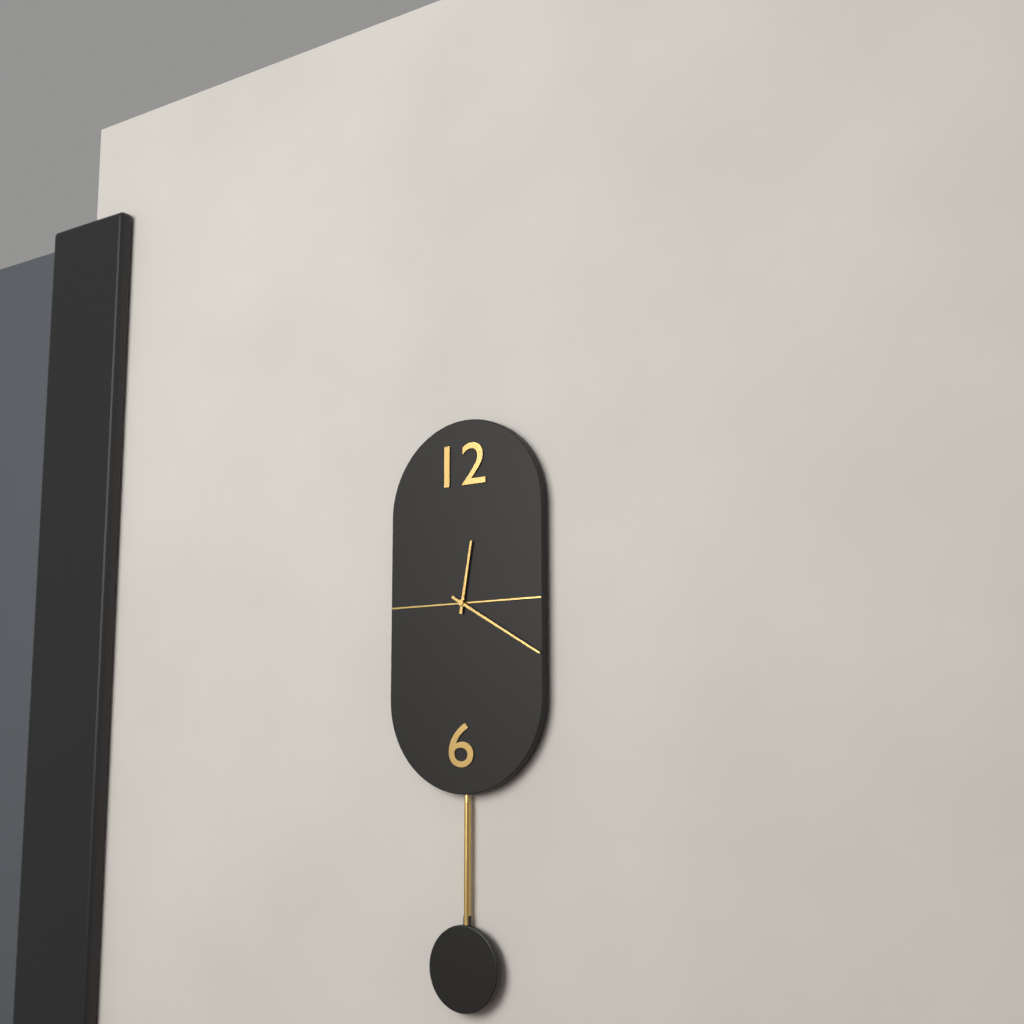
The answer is 12:20
